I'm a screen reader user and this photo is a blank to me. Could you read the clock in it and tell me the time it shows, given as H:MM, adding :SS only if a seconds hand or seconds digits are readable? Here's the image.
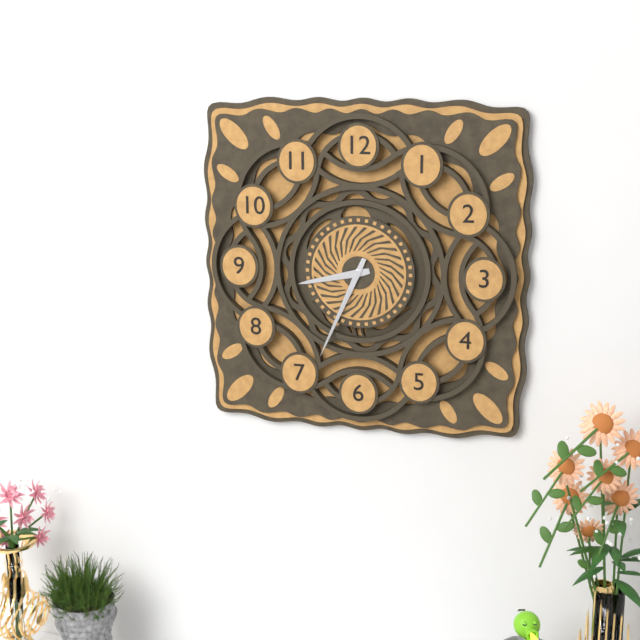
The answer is 8:34
